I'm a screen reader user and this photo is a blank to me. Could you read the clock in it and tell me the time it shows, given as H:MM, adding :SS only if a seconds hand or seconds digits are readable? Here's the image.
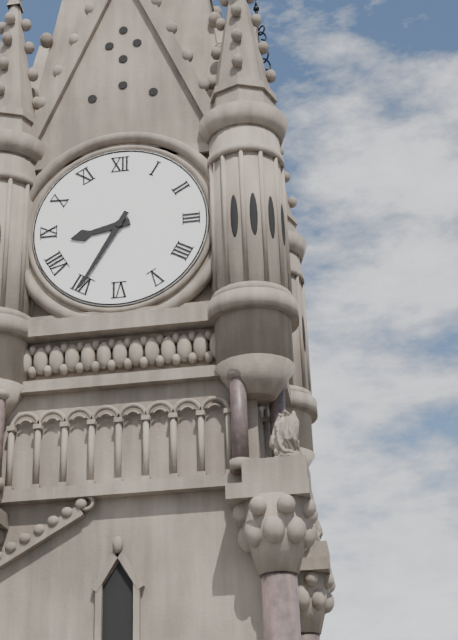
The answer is 8:35
